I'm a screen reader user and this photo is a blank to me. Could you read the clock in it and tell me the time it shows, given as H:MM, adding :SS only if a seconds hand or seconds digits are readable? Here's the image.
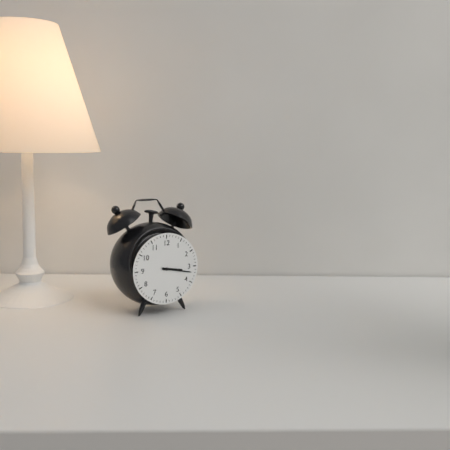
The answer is 3:17
